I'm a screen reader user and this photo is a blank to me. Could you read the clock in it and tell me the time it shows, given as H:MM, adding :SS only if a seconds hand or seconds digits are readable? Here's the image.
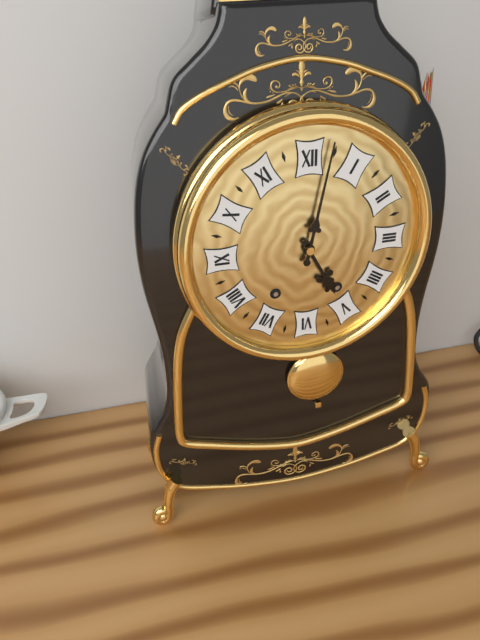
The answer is 5:02
